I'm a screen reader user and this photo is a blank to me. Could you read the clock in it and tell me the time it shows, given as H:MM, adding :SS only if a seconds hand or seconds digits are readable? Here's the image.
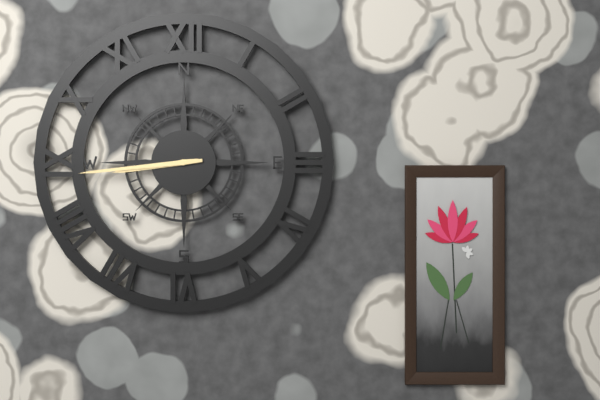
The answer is 8:44
